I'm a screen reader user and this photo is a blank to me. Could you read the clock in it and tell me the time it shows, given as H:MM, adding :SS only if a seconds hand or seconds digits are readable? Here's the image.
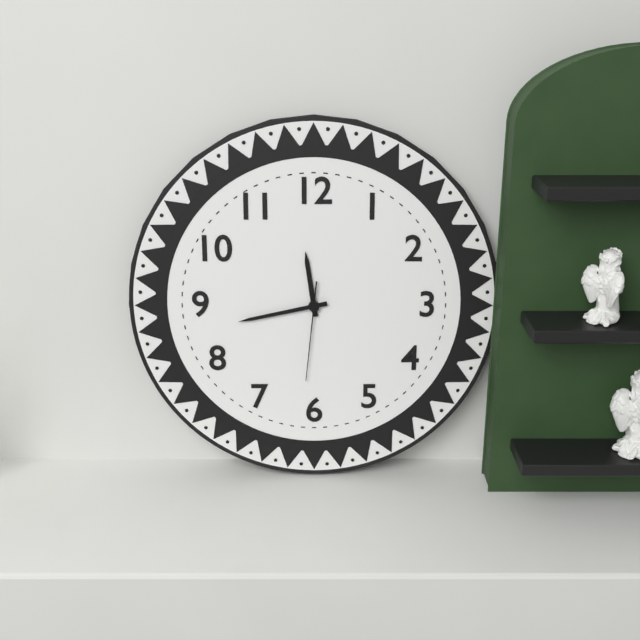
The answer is 11:43:31
